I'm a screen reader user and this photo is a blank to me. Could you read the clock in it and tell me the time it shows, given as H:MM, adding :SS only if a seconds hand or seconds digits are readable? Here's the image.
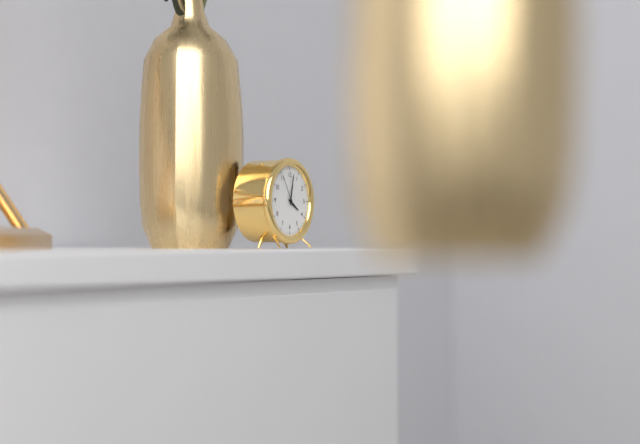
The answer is 4:02
